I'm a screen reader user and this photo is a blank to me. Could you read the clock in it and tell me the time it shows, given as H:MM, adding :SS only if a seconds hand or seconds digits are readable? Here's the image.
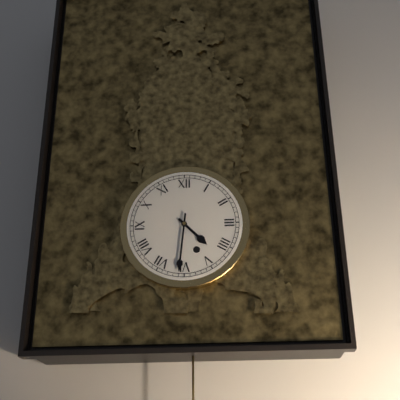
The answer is 4:31
